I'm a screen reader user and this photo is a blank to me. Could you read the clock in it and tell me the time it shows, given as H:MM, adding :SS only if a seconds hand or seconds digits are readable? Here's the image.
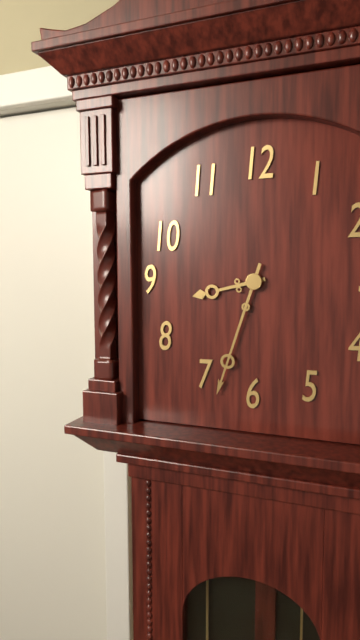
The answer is 8:33
